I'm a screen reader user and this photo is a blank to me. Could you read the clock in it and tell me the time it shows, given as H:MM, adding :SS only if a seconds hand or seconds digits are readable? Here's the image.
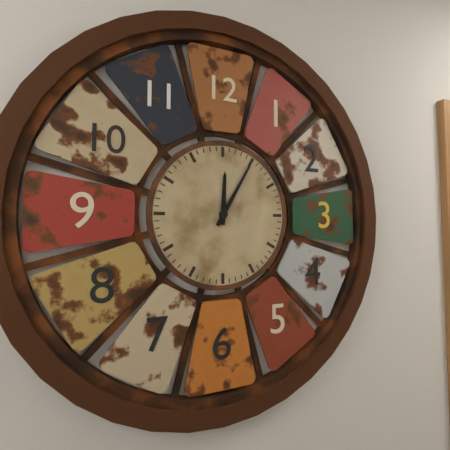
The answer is 12:05
